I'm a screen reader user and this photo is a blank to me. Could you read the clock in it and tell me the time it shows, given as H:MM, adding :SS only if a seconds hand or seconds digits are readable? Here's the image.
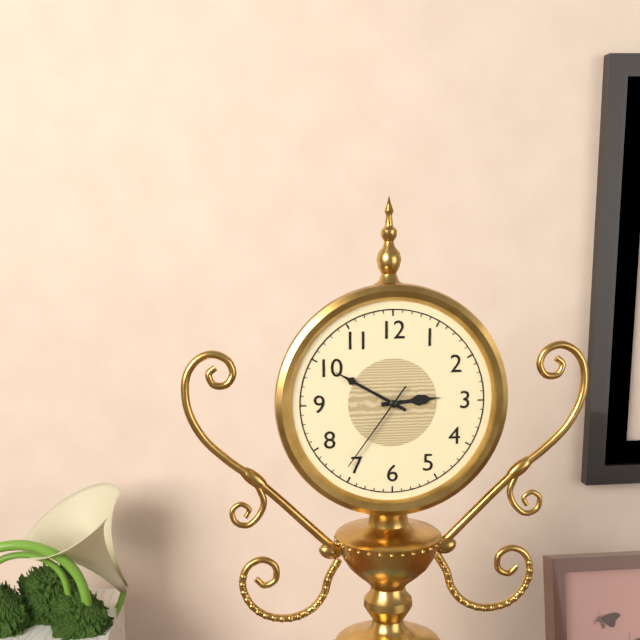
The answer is 2:50:36
